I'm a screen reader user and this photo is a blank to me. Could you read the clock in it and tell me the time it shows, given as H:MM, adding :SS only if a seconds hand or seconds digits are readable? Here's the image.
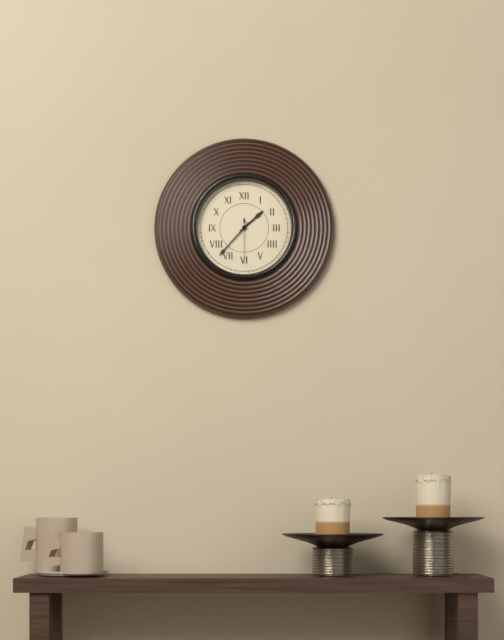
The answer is 1:37
